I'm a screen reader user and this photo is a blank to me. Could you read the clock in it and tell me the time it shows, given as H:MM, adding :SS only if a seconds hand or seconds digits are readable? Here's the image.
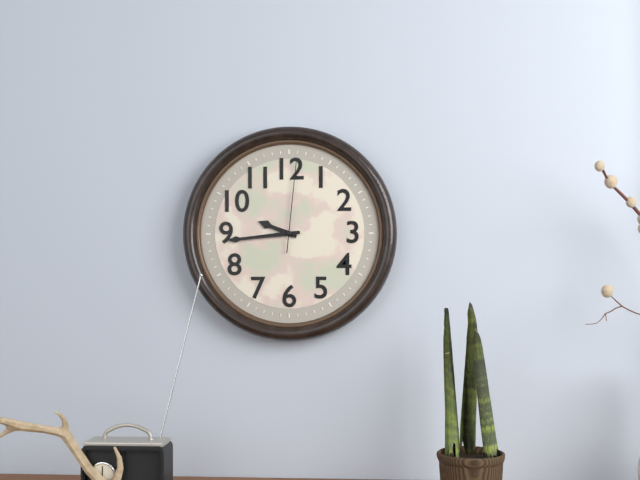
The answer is 9:44:01
